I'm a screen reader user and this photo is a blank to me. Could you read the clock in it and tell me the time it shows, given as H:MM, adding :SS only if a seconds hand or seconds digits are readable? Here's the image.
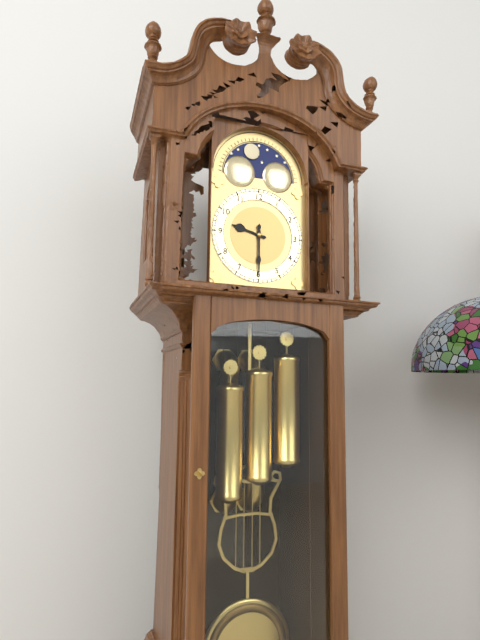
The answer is 9:30
